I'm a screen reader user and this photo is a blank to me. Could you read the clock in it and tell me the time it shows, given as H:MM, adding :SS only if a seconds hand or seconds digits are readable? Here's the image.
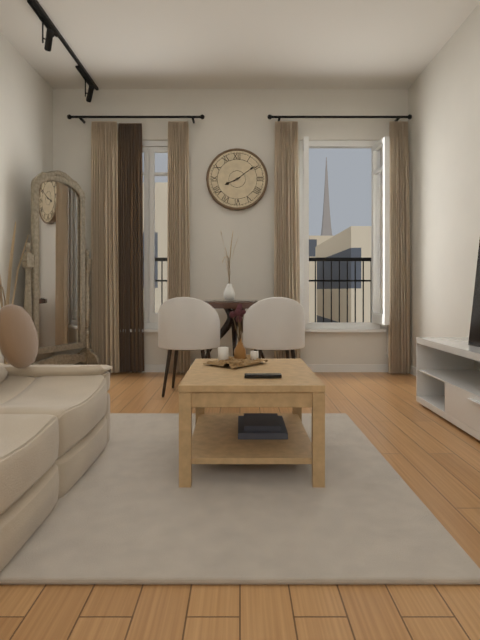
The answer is 8:09
